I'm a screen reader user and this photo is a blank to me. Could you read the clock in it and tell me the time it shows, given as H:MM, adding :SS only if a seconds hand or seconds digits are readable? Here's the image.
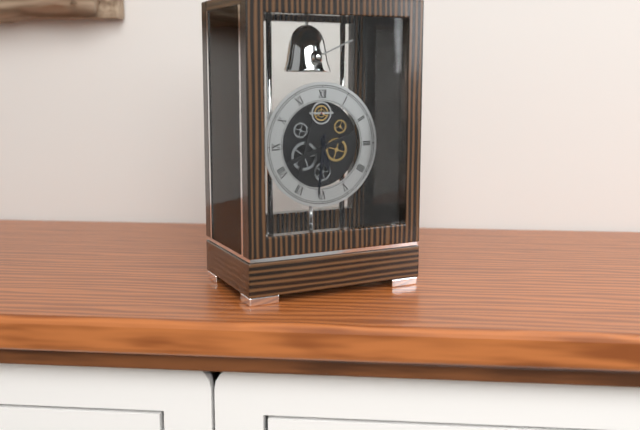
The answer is 5:31
